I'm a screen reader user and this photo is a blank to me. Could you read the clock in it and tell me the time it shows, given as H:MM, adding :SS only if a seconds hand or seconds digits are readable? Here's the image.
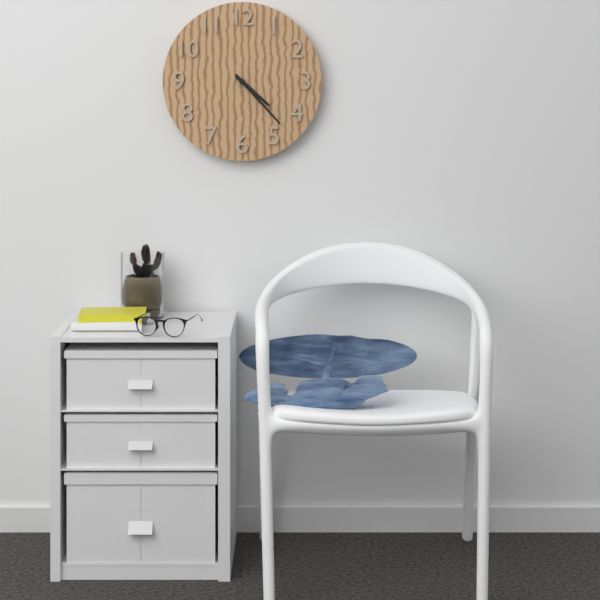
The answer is 4:23
